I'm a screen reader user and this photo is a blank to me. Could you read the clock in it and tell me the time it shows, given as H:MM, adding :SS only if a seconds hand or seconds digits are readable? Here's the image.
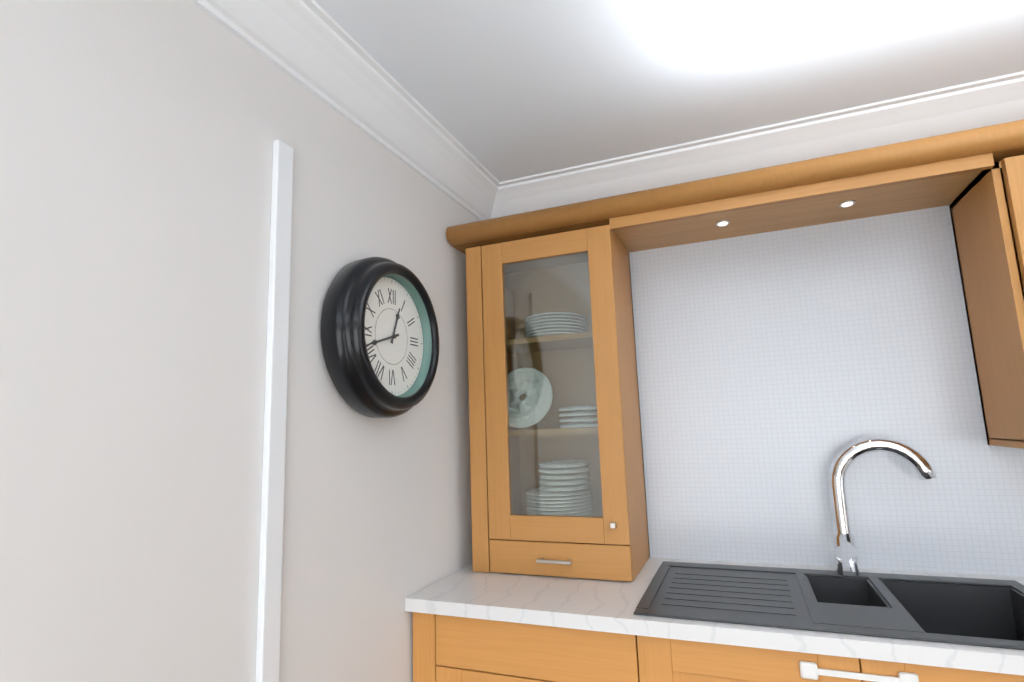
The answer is 12:42
